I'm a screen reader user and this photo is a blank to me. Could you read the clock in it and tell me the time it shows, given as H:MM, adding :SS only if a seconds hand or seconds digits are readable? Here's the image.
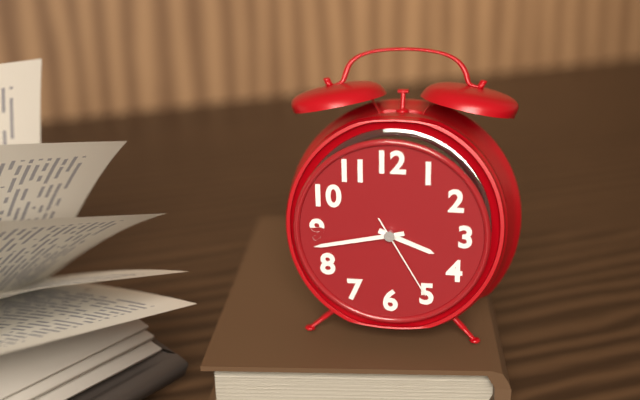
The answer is 3:43:25
